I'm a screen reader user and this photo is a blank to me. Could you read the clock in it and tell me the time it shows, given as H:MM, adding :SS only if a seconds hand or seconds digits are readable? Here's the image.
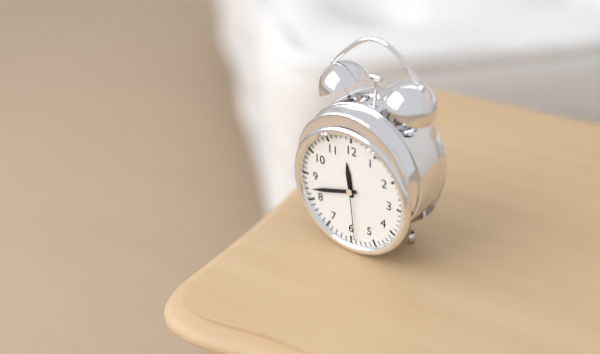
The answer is 11:42:29
